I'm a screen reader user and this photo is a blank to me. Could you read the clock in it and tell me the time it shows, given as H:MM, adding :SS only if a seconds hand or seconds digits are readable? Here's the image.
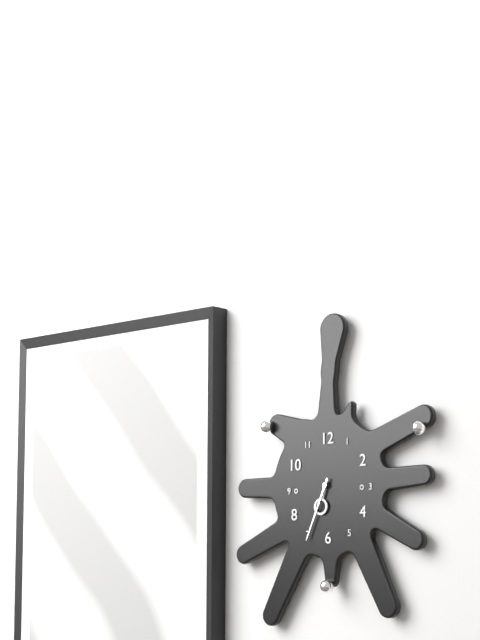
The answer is 6:34
